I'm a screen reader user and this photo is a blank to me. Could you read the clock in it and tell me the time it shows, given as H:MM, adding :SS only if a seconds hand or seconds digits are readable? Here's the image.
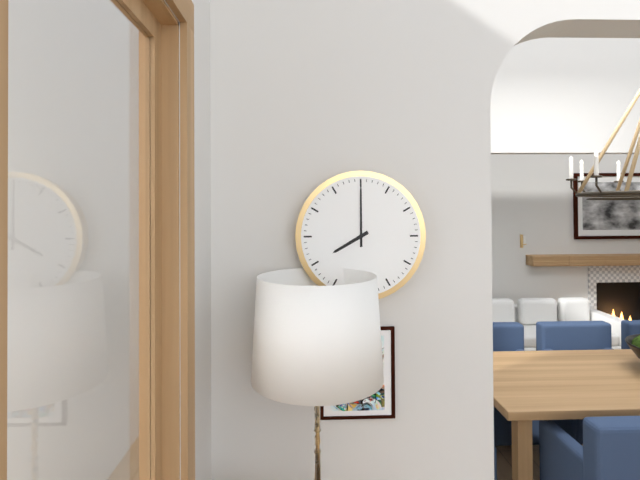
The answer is 8:00
